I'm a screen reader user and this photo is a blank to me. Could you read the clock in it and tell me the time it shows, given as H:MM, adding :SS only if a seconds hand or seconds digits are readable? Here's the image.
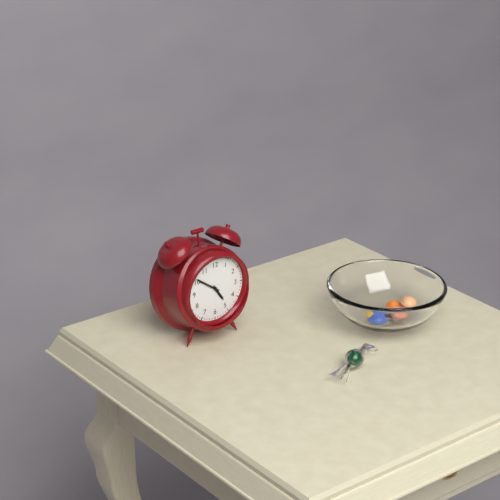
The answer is 4:51
